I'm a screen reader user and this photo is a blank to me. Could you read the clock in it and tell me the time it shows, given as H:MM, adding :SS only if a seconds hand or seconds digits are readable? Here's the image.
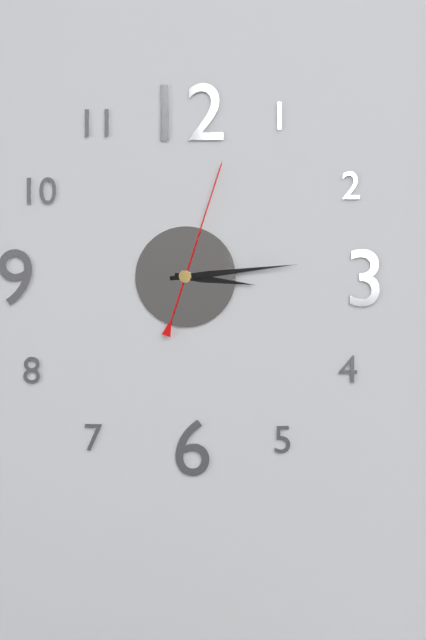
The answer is 3:14:03
